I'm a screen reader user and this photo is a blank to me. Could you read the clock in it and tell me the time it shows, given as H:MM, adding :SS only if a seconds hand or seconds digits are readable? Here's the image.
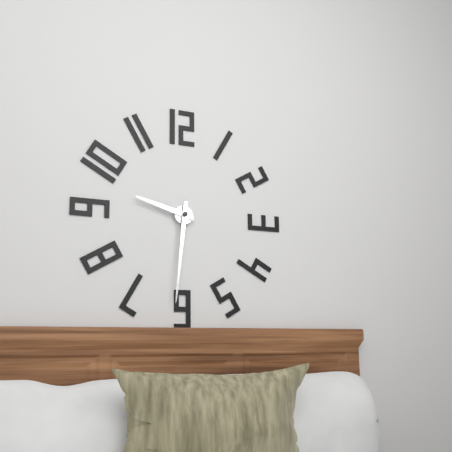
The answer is 9:31
